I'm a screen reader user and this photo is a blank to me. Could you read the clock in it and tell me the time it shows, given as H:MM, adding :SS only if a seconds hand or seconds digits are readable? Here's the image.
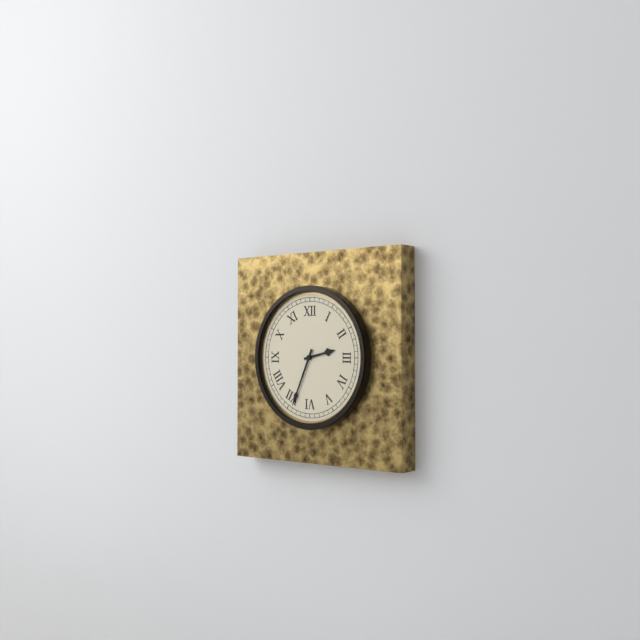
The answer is 2:34
